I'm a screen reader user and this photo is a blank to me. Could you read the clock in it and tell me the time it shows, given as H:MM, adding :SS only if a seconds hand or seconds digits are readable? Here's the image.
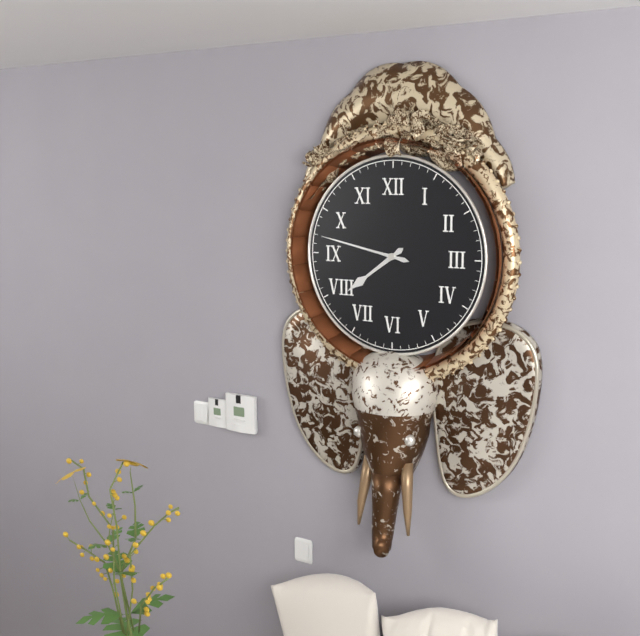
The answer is 7:47
